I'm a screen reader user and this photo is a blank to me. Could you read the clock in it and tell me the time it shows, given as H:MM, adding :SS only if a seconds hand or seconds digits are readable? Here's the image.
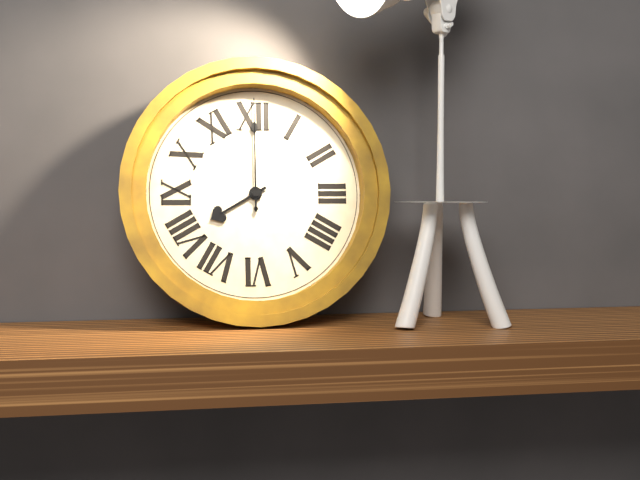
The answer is 8:00
